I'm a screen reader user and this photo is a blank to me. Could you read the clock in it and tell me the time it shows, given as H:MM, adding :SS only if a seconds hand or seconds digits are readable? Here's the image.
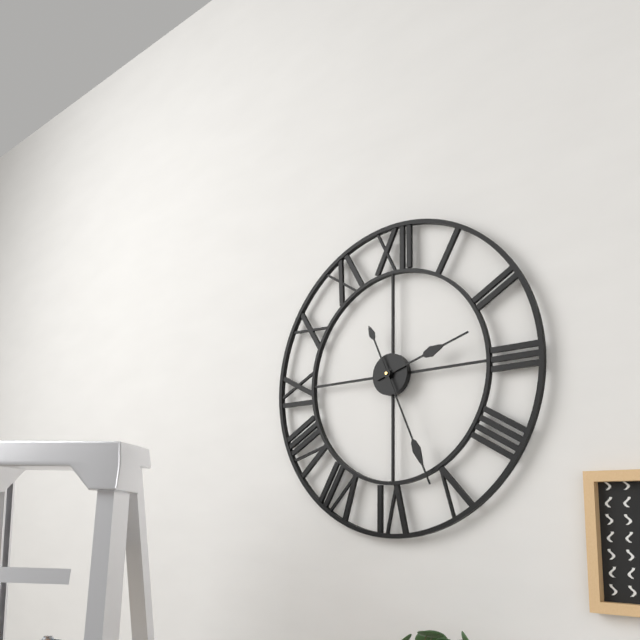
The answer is 2:26
